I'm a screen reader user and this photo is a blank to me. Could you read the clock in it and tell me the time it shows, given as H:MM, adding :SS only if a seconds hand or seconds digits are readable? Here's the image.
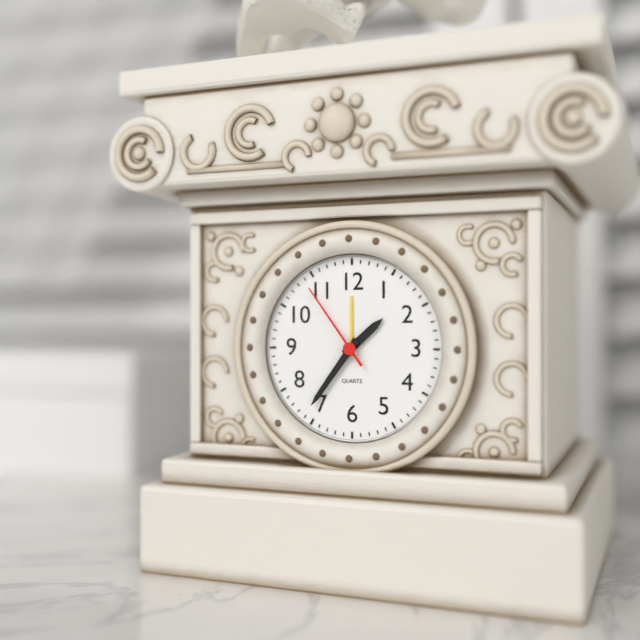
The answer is 1:36:54
